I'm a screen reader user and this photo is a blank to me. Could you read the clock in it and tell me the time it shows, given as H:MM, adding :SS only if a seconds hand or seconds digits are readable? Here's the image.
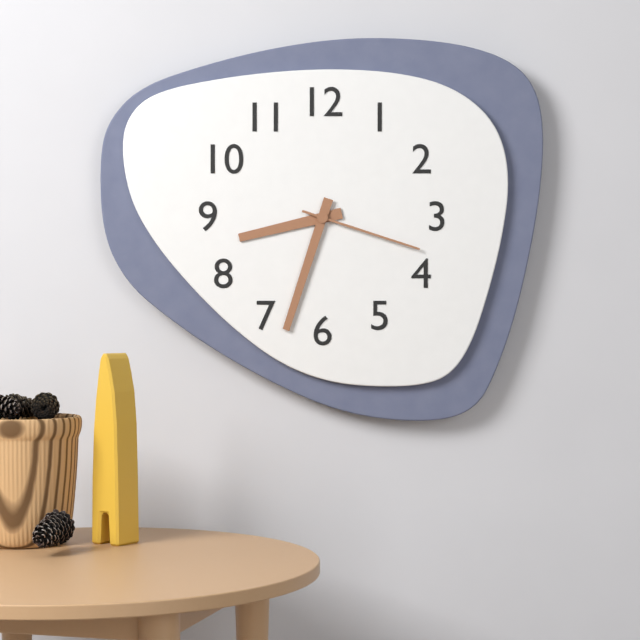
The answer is 8:33:18
